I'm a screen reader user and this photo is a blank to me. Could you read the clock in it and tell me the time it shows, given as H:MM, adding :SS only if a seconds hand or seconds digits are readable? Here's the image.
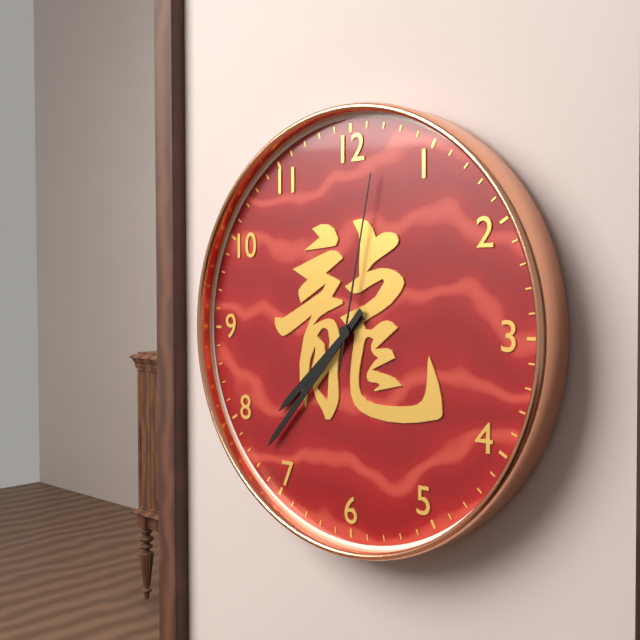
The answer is 7:37:02
